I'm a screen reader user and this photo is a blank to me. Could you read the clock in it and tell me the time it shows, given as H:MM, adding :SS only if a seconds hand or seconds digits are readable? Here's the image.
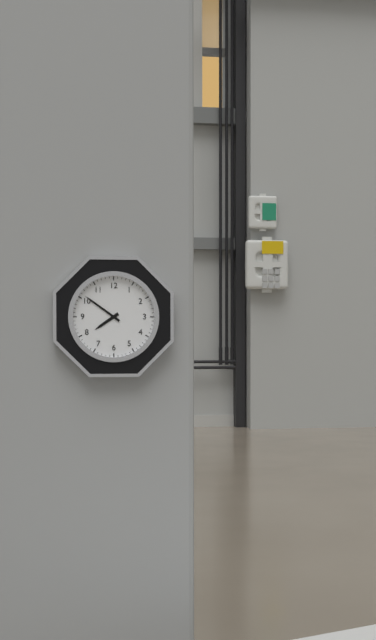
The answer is 7:51
